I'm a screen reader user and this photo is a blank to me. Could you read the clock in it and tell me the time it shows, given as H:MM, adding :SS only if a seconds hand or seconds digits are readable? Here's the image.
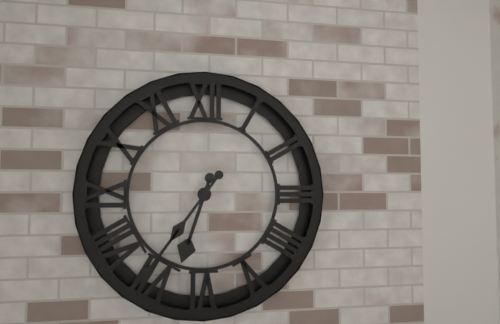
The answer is 6:36
